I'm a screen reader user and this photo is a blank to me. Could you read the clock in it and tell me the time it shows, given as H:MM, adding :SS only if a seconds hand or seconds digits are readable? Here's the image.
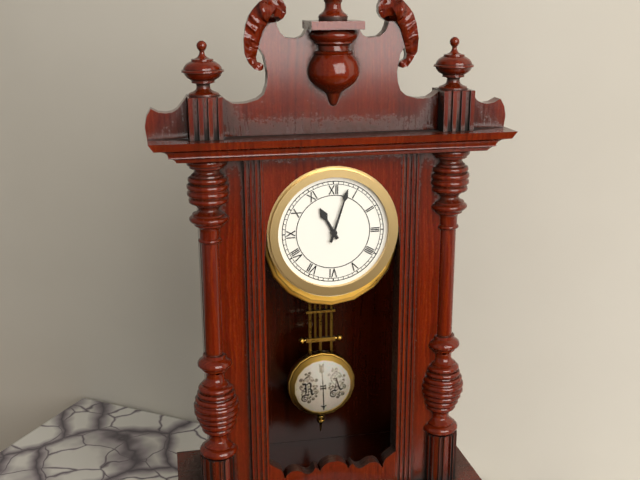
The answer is 11:03
